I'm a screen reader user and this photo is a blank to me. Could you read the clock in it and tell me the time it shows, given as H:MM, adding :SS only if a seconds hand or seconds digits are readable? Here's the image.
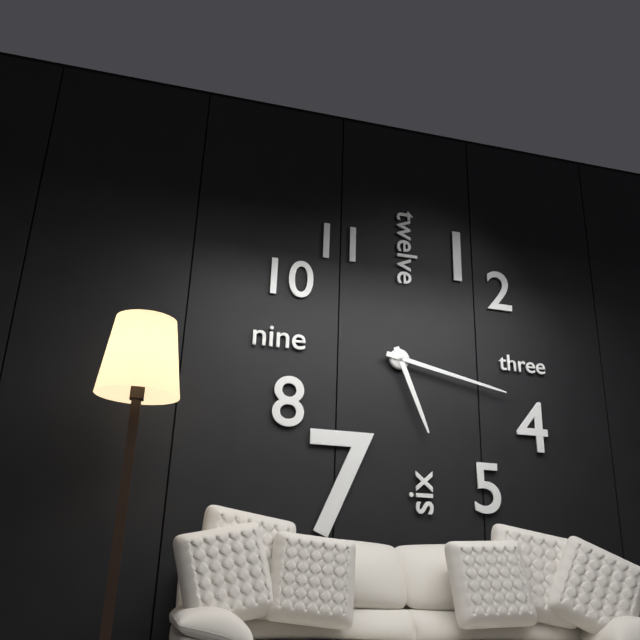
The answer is 5:17
